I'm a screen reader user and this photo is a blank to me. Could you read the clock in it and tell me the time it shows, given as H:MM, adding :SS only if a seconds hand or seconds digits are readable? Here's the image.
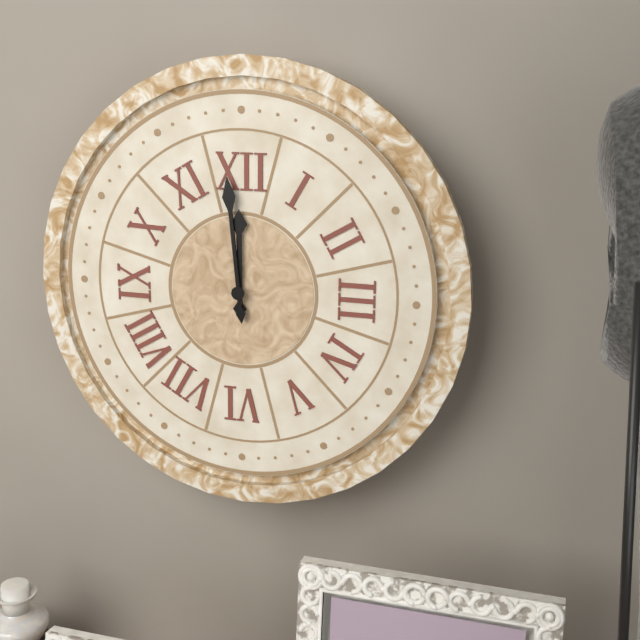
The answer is 11:59
